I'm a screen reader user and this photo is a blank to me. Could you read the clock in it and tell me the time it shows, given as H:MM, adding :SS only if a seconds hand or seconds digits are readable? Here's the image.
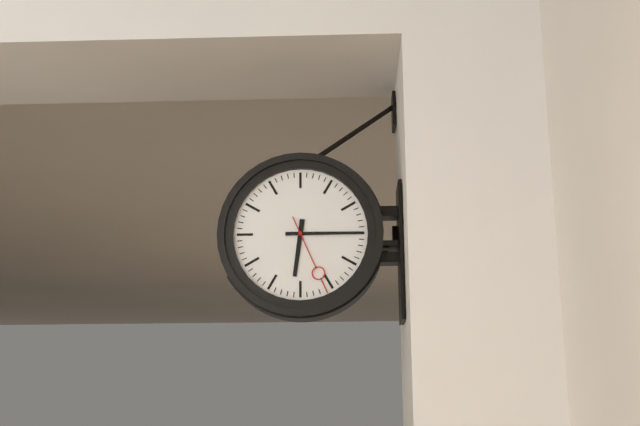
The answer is 6:15:26
